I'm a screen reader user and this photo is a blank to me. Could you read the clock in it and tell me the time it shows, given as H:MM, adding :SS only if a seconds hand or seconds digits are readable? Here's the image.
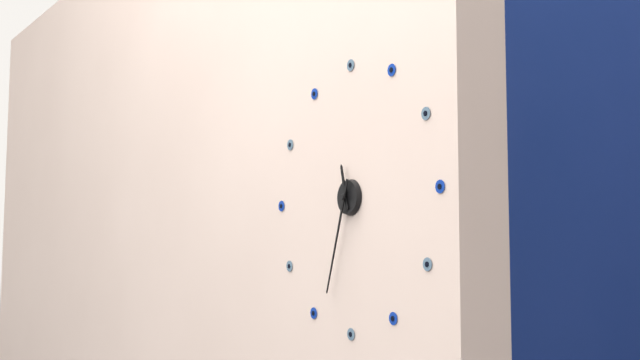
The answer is 11:33
